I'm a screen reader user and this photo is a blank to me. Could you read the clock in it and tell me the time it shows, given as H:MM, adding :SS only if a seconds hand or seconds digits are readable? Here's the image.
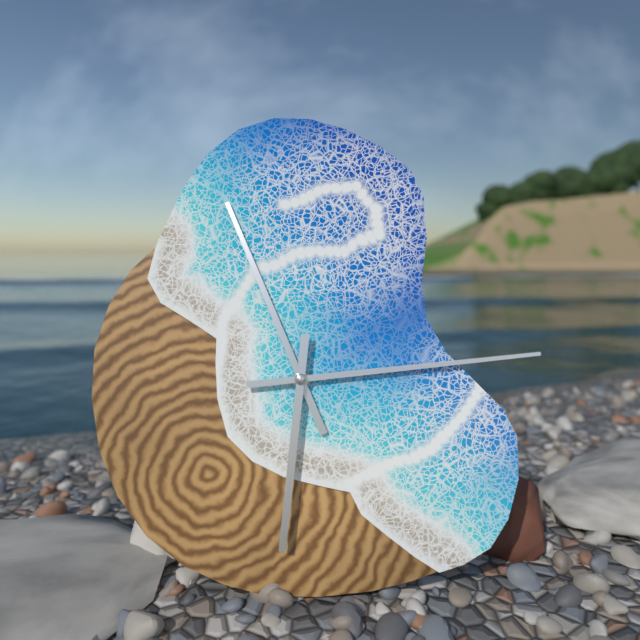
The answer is 11:14:31
